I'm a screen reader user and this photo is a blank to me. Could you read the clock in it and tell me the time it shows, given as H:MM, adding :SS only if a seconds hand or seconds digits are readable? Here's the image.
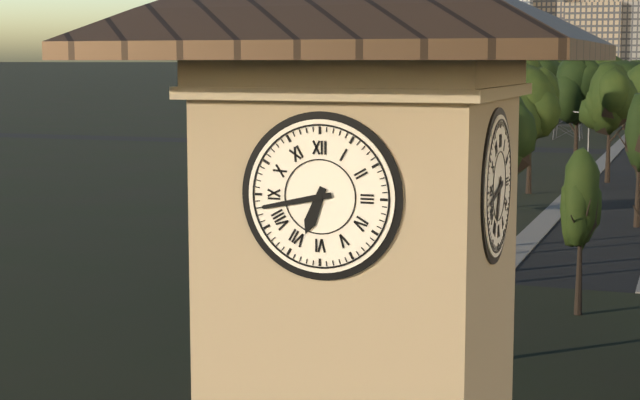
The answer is 6:43
